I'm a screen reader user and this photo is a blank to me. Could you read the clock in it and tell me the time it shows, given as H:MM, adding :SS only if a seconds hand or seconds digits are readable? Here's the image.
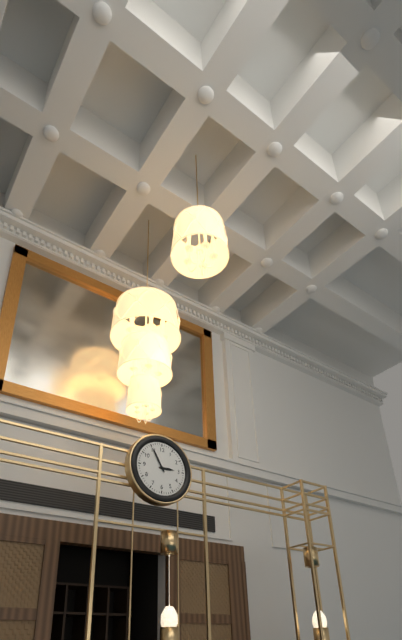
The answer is 2:55
